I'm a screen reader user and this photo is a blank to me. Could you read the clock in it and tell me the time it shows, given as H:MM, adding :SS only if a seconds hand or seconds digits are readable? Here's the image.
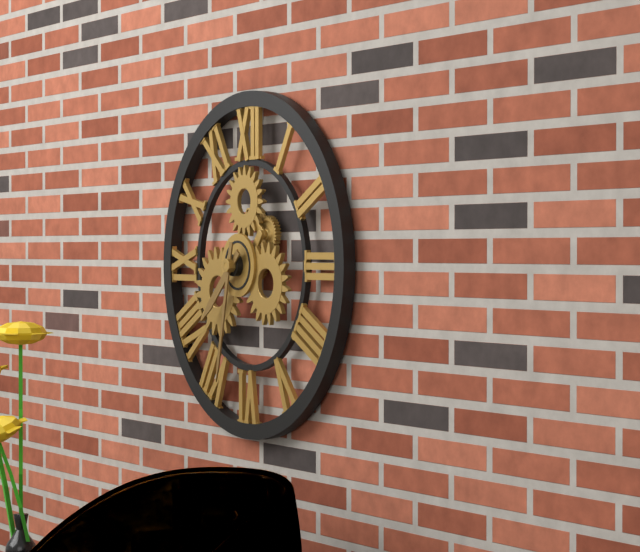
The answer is 7:32
